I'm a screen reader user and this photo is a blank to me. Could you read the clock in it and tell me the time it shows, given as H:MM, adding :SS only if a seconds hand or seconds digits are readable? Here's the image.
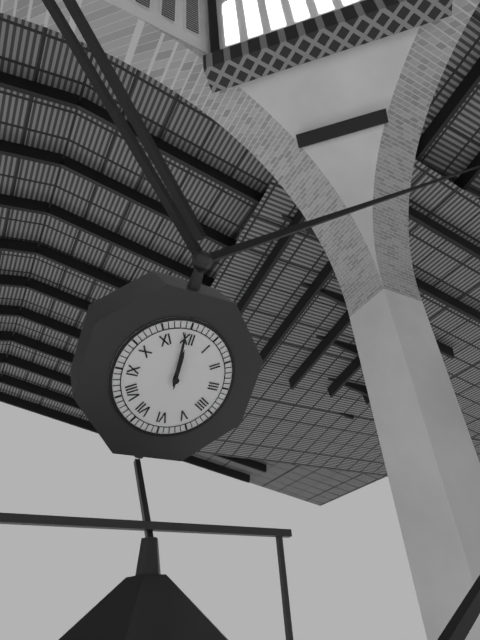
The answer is 11:59
